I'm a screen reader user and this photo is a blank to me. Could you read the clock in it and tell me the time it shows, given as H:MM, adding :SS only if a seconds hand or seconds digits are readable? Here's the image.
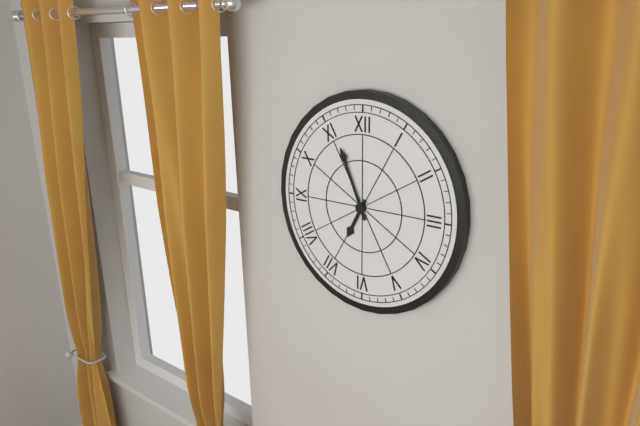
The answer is 6:56
